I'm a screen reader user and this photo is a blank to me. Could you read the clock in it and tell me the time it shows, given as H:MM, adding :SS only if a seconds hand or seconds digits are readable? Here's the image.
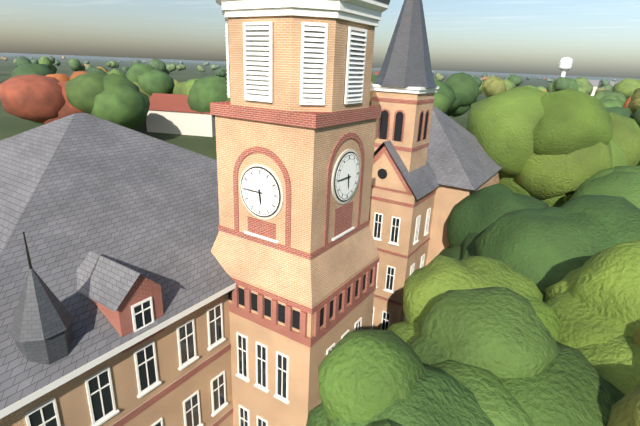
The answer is 5:45
